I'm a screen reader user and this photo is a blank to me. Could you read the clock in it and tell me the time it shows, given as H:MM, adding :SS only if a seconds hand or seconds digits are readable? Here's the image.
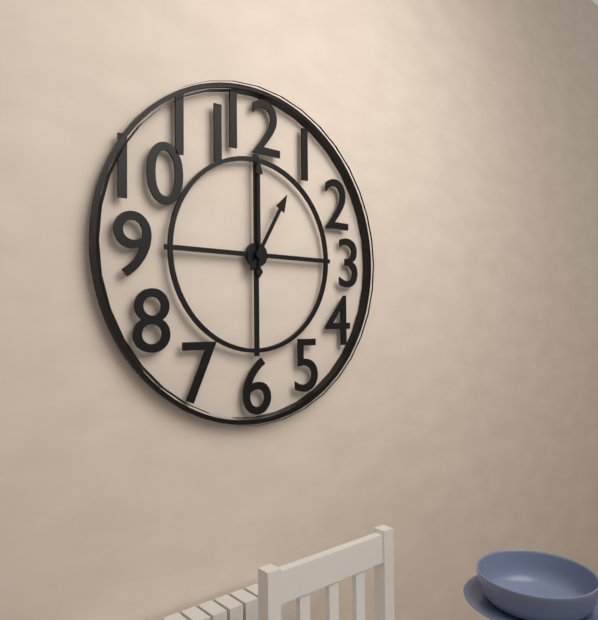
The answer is 1:00
